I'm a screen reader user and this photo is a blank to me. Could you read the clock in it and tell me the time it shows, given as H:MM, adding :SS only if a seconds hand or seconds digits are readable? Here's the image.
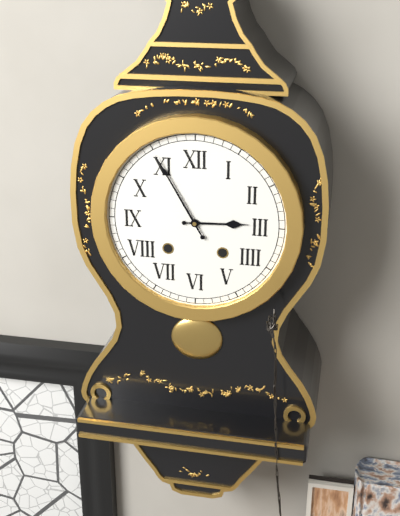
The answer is 2:55
